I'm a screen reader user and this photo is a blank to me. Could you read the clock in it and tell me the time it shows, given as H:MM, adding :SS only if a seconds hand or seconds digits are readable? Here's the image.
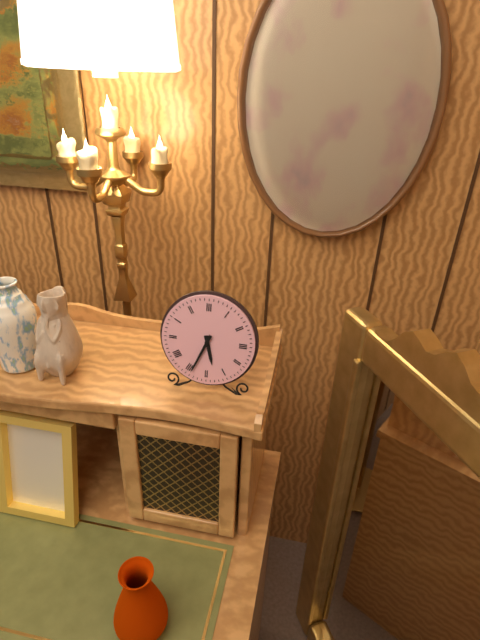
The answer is 5:34
